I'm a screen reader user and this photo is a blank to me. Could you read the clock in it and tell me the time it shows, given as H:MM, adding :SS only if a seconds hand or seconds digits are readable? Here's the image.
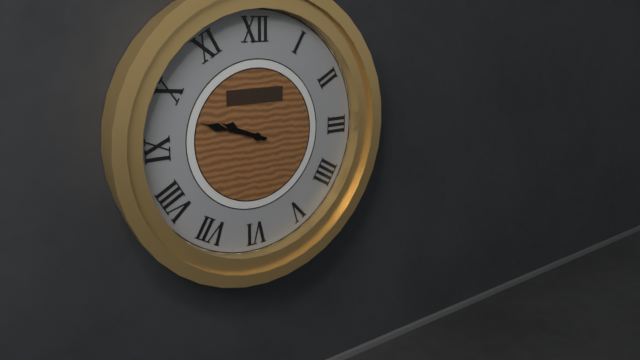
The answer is 9:48
